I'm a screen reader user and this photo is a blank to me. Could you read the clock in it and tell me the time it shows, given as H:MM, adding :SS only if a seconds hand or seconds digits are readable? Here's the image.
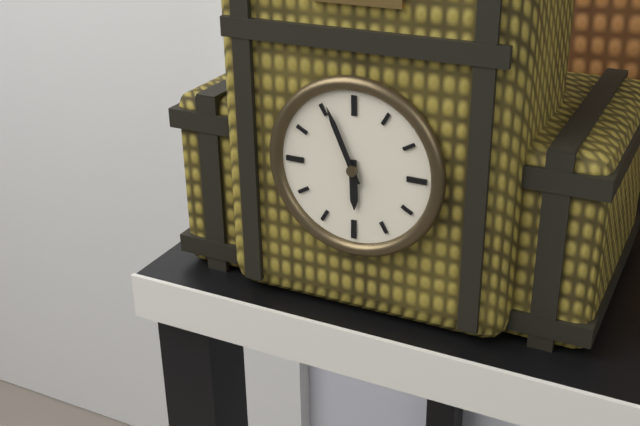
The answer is 5:56
